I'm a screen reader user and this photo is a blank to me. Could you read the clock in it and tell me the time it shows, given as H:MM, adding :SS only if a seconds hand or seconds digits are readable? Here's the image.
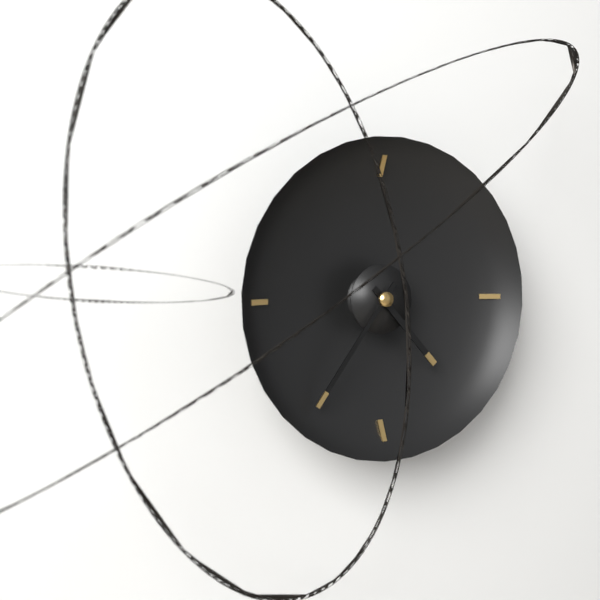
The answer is 4:36
